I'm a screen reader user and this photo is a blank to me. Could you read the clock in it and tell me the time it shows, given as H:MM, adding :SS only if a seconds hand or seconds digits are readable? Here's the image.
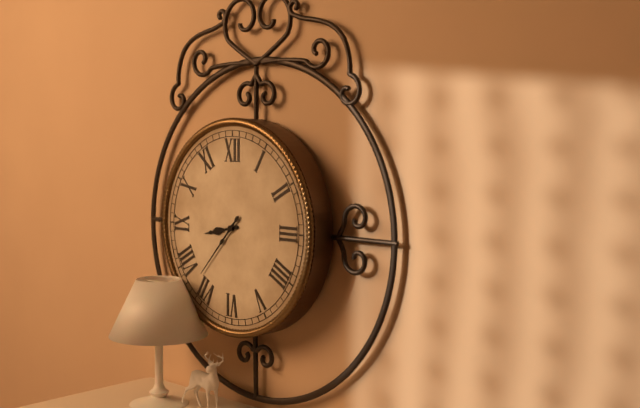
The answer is 8:37
